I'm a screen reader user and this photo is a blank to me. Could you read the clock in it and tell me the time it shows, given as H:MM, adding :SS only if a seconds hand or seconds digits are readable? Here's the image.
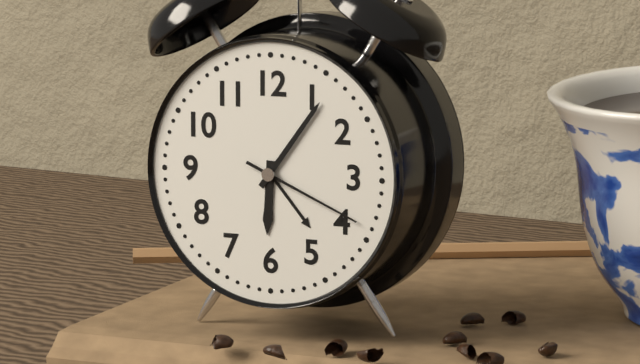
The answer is 6:06:19
